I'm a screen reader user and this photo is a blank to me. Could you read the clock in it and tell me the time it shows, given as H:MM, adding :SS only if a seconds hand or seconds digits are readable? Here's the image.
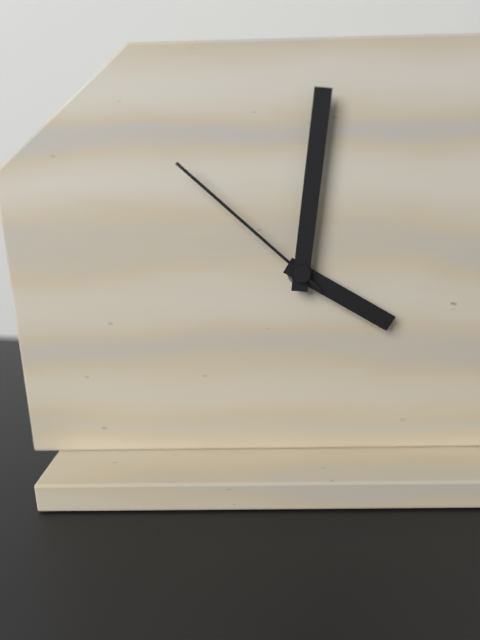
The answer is 4:01:52
